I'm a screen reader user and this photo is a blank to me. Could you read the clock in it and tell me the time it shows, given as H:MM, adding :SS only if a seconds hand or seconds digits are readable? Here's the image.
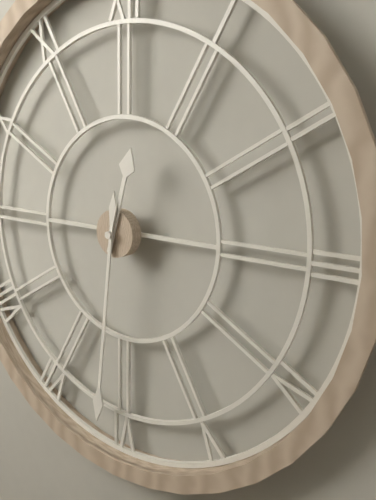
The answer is 12:31
